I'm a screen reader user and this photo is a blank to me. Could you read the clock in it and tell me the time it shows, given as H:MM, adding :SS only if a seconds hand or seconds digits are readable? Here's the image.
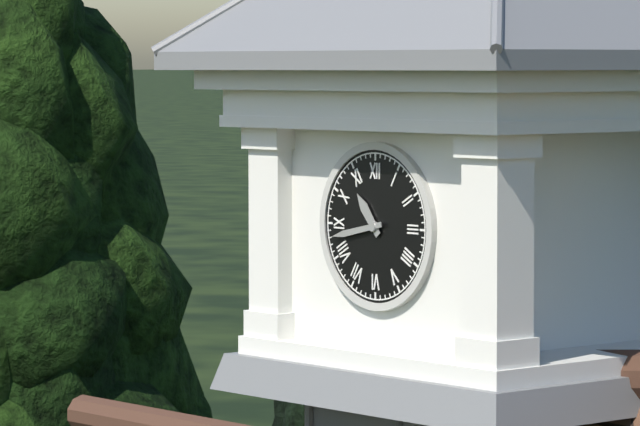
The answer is 10:43
